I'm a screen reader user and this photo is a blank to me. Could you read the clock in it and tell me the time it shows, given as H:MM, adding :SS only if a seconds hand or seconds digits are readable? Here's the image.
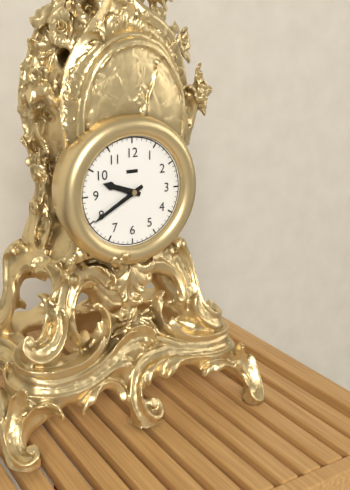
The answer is 9:40
